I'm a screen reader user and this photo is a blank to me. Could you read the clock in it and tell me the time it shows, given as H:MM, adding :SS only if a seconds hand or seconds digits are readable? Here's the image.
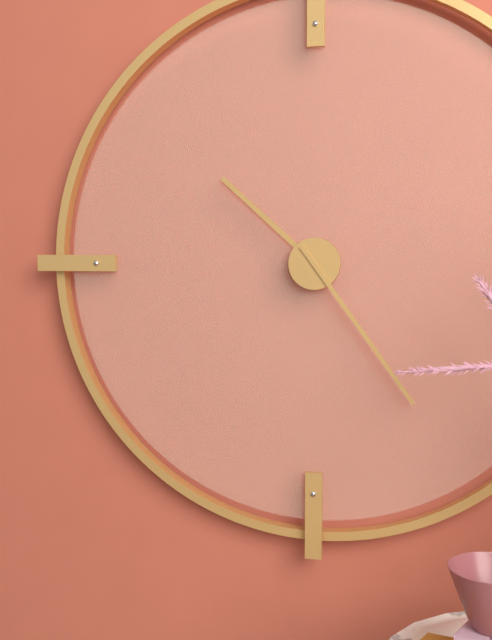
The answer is 10:24
